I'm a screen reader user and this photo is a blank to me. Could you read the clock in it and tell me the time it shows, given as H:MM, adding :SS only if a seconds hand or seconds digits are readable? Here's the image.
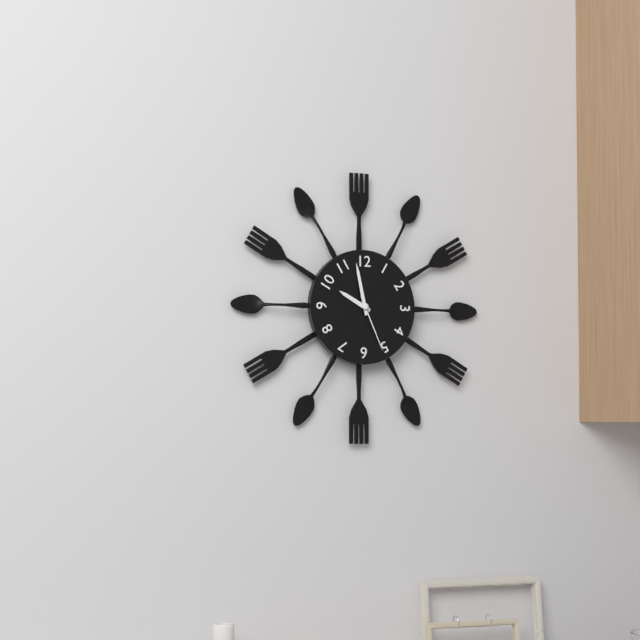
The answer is 9:58:26
